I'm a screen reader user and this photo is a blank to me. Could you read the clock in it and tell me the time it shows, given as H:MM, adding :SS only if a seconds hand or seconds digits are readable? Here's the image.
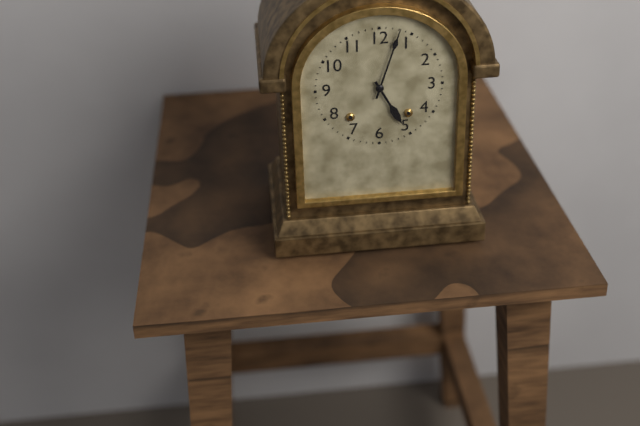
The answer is 5:03
